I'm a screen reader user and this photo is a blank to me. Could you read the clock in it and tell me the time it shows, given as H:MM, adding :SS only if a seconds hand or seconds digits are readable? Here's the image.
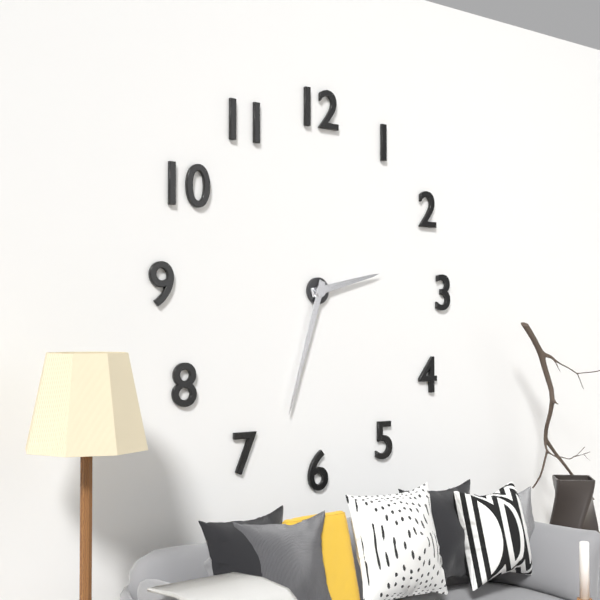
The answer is 2:33
